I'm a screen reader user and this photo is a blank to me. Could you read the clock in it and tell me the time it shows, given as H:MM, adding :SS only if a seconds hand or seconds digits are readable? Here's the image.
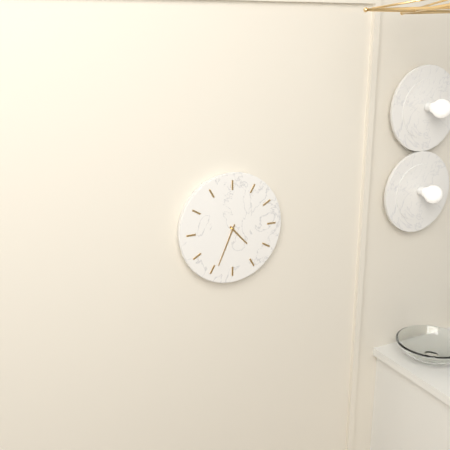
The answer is 4:34
